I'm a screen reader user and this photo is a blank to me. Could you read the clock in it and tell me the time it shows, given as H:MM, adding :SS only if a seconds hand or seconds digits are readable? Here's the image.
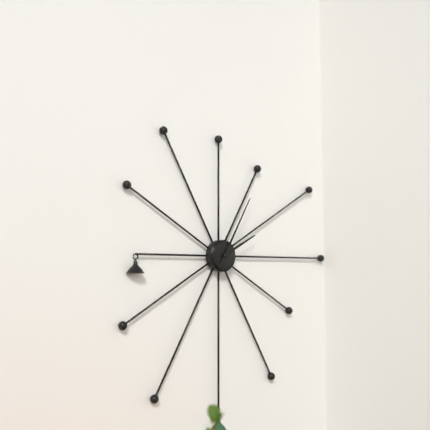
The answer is 2:05
